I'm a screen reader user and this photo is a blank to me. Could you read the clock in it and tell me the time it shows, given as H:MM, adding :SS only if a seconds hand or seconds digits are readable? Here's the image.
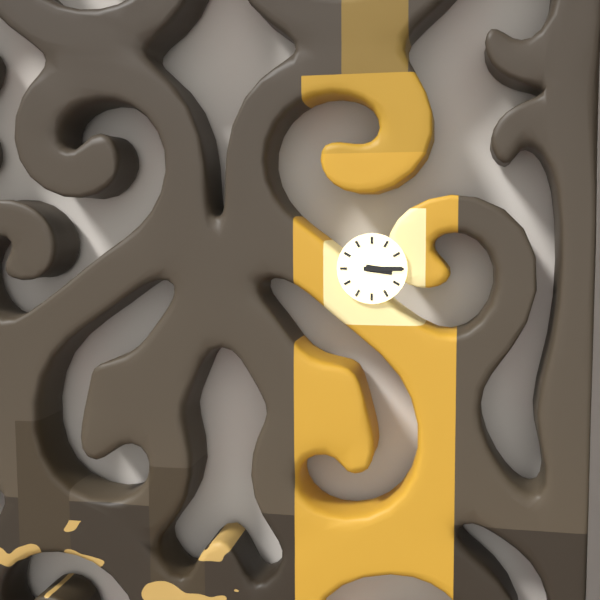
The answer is 3:15
